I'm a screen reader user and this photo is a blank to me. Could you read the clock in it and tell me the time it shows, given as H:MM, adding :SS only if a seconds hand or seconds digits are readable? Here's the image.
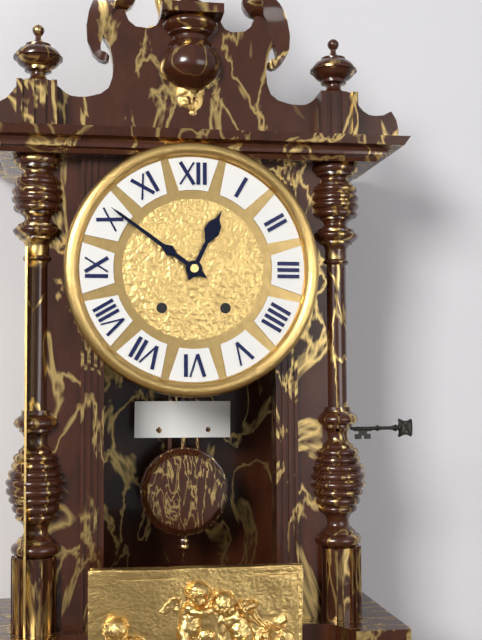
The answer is 12:51
